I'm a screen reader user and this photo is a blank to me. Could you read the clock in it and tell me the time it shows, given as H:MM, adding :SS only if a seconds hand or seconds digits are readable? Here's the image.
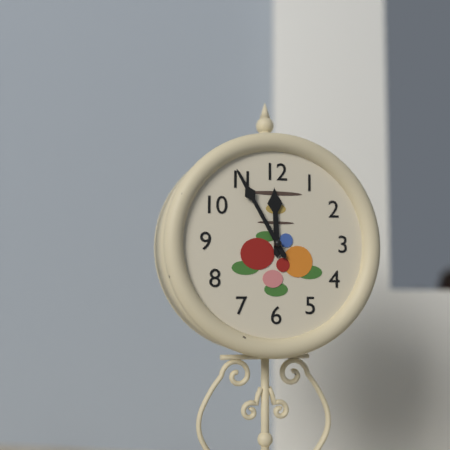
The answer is 11:55
